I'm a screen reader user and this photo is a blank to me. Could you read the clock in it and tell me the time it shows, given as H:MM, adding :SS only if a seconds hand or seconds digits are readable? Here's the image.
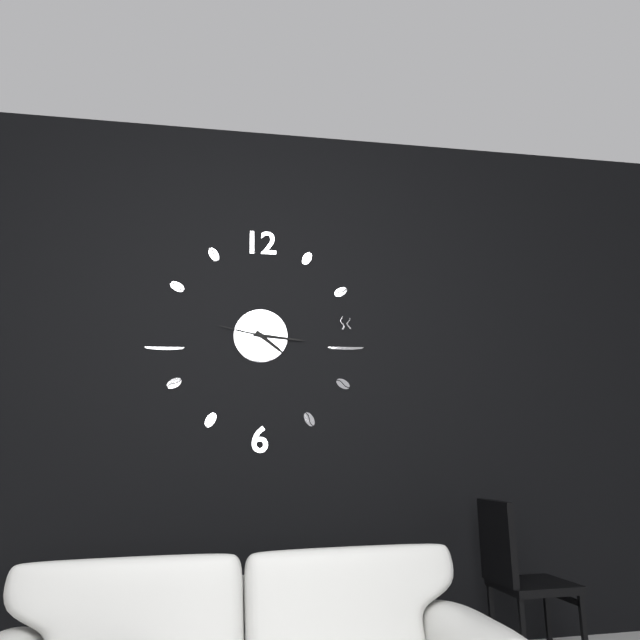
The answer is 4:16:47
